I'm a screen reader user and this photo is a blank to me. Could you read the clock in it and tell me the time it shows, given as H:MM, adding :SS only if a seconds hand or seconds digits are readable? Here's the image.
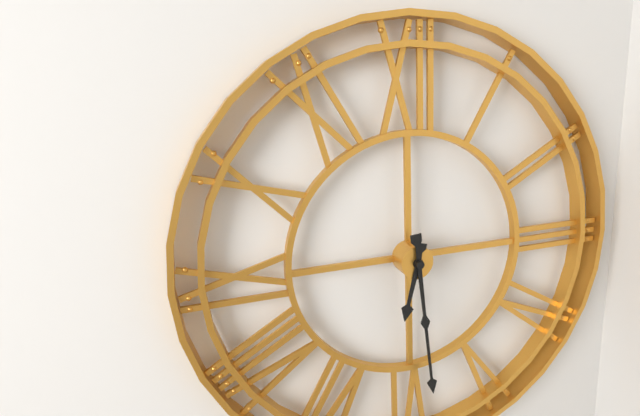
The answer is 6:29
